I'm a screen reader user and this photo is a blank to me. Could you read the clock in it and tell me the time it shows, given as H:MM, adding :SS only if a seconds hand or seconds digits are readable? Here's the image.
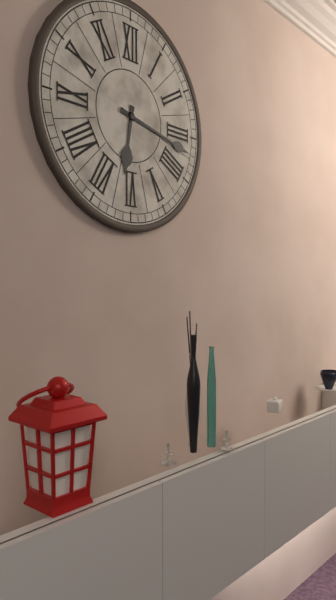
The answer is 6:17
